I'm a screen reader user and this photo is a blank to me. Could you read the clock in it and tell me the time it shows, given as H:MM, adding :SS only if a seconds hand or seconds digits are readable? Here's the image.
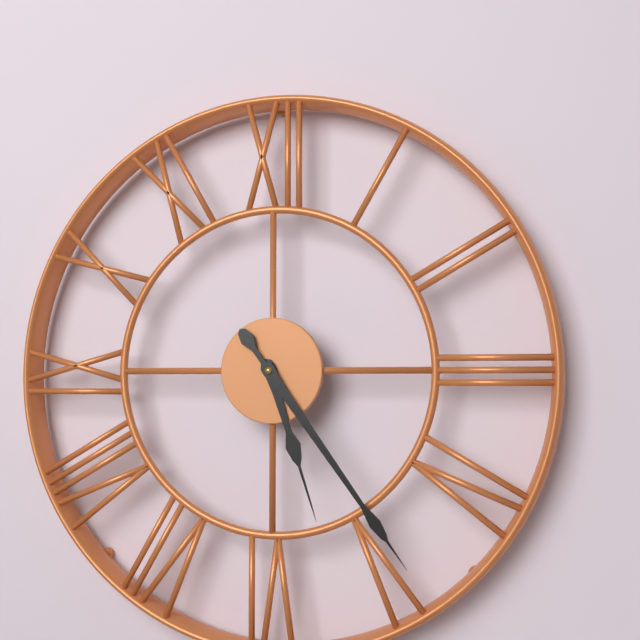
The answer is 5:24
